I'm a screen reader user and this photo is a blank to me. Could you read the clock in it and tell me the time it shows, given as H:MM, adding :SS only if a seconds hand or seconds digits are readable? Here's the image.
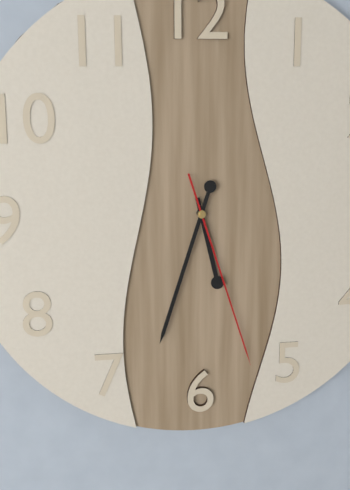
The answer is 5:33:27
